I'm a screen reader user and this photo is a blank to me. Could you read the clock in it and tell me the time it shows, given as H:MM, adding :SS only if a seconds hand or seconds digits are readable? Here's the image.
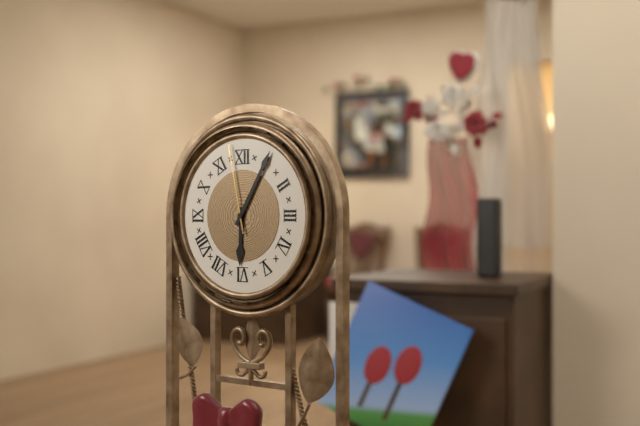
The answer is 6:05:58
